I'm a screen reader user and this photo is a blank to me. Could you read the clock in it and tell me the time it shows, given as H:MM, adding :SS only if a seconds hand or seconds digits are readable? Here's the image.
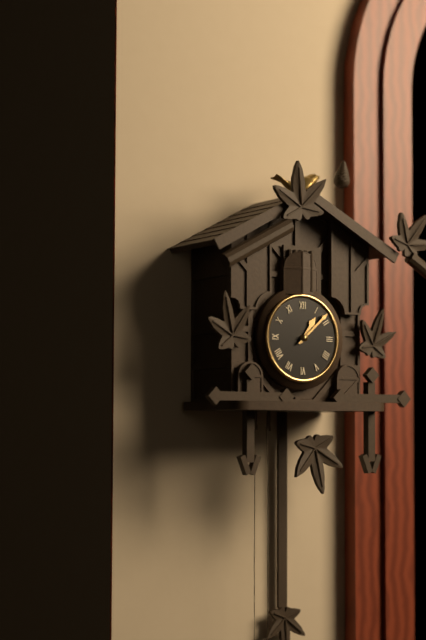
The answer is 1:08
